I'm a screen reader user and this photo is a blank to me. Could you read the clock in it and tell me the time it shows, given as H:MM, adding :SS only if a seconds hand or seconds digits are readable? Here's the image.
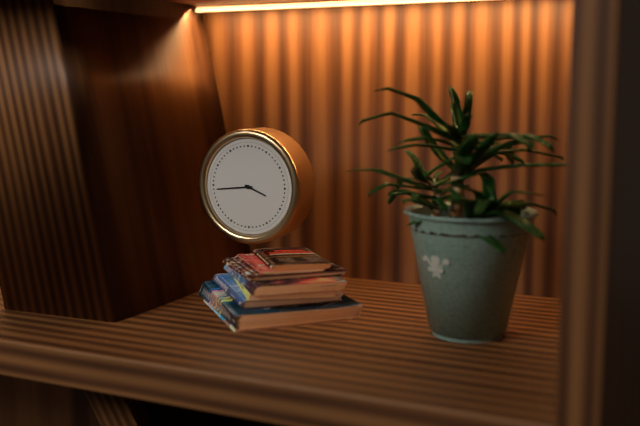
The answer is 3:44
